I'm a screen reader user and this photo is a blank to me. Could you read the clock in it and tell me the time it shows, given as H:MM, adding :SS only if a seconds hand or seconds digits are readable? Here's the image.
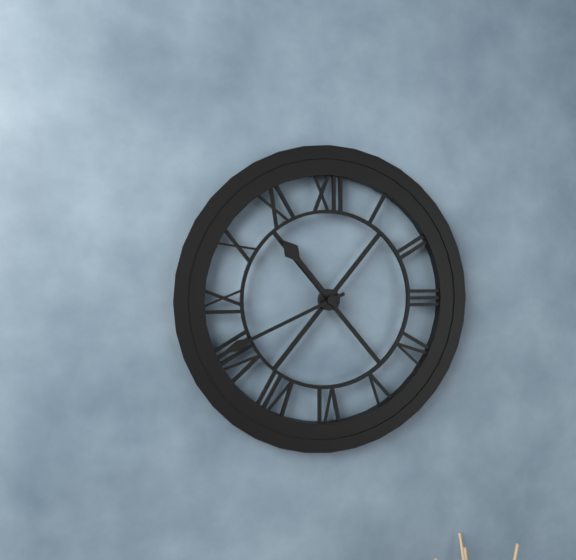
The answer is 10:41
